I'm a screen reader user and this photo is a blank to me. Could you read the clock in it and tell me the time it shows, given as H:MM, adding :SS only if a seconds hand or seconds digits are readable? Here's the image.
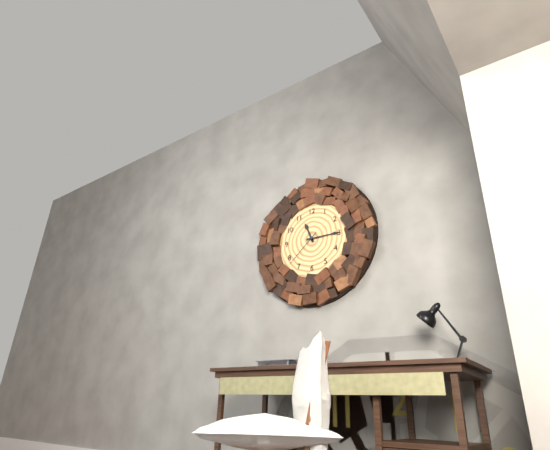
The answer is 11:15
